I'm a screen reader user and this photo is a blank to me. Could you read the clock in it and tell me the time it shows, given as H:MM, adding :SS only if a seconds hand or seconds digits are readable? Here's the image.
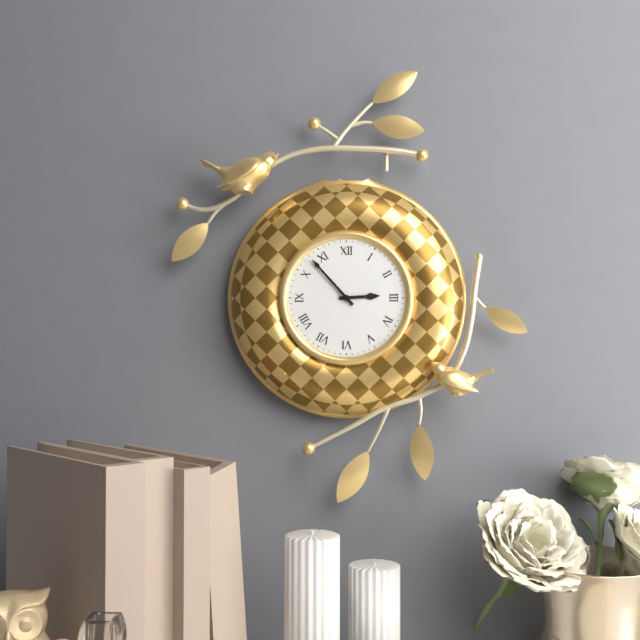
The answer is 2:53
